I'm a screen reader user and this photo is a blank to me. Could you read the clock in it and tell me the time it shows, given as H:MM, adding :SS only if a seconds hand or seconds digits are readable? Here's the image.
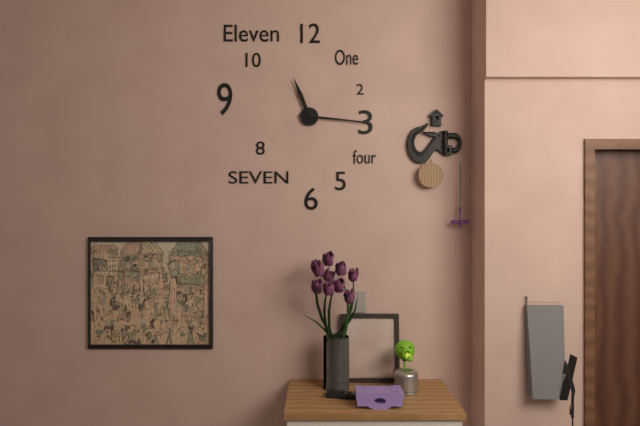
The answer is 11:16
